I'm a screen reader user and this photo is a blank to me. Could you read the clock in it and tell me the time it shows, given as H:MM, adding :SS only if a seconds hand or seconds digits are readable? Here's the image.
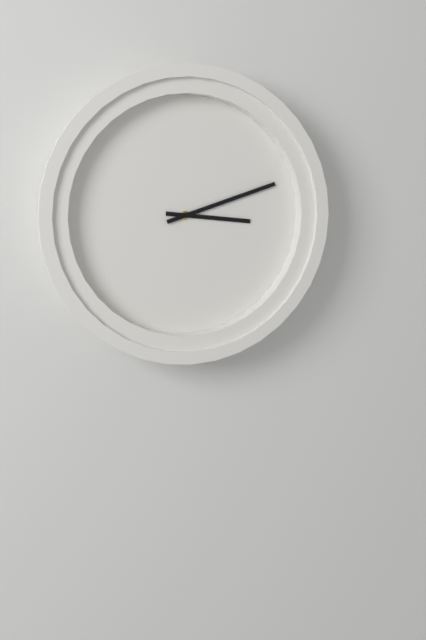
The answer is 3:12
